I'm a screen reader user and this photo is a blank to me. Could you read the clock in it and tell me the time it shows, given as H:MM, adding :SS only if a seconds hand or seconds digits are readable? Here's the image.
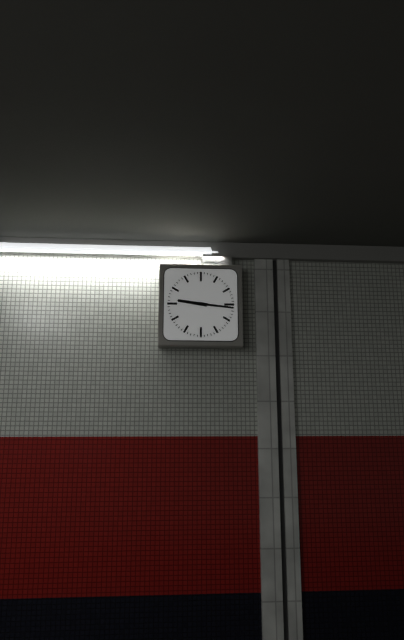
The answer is 9:16
